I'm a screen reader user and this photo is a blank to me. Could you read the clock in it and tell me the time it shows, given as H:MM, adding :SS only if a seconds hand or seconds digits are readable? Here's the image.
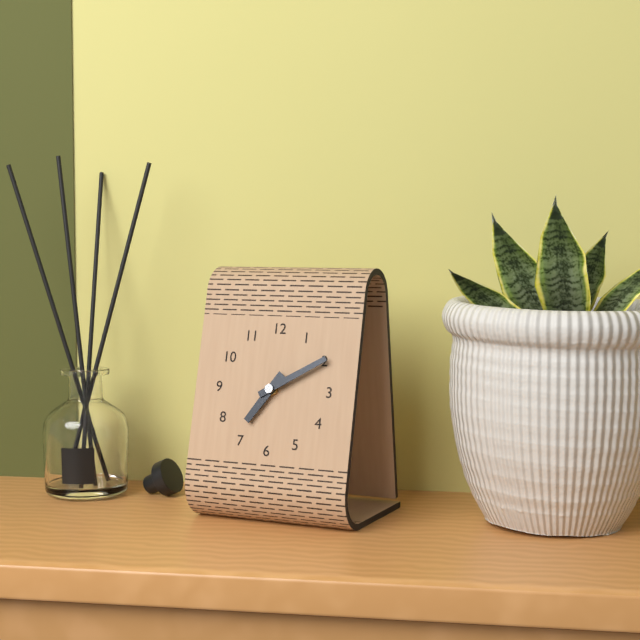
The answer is 7:10
